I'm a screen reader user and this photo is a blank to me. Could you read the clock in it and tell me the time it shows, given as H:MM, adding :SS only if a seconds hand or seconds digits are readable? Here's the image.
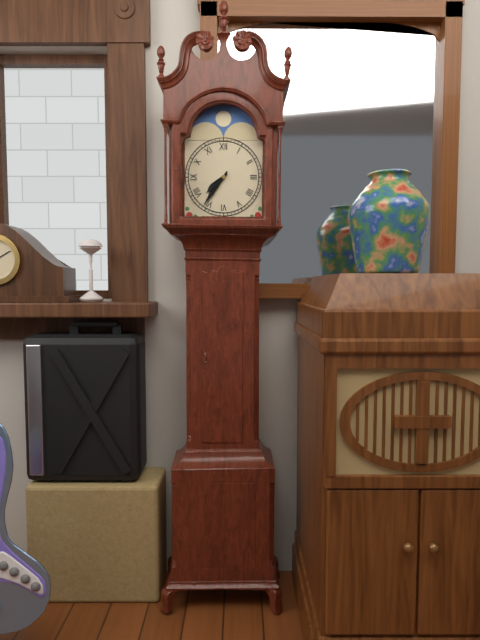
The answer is 7:36
